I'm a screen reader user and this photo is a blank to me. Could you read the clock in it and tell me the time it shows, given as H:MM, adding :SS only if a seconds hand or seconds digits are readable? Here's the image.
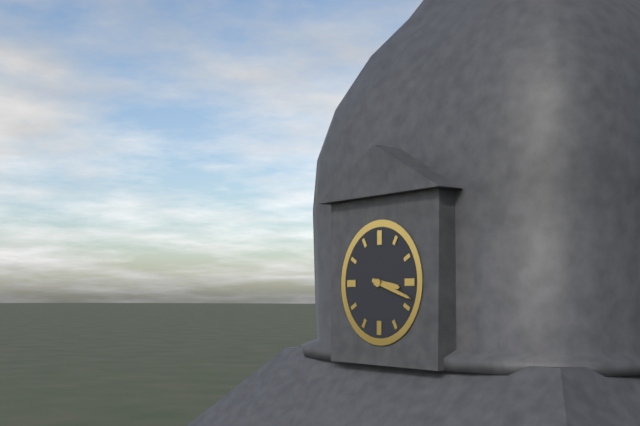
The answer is 3:18
